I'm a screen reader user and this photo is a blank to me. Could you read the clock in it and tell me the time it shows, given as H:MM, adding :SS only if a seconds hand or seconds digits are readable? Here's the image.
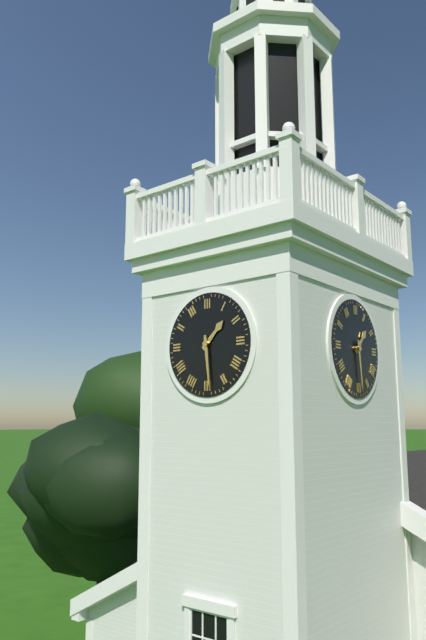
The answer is 1:29
